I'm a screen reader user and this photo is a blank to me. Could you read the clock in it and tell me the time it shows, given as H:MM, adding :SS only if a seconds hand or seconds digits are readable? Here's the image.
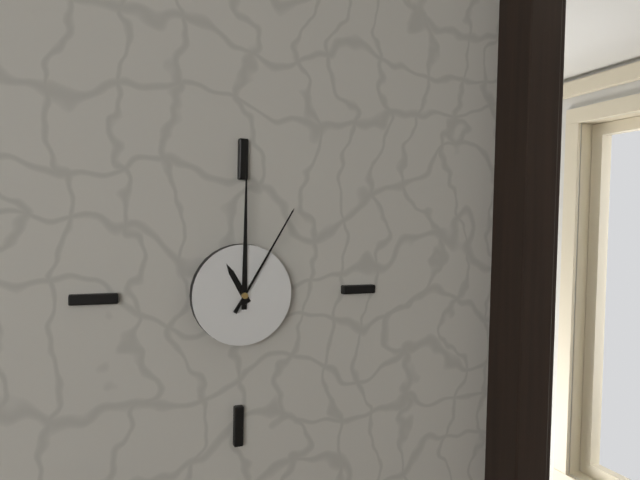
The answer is 11:00:05
